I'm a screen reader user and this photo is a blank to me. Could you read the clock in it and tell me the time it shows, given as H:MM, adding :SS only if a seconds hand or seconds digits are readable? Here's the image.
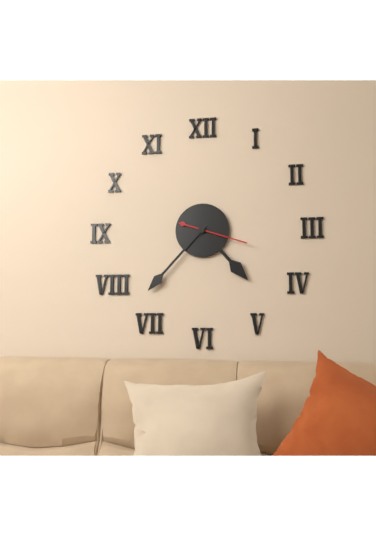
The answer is 4:37:18
